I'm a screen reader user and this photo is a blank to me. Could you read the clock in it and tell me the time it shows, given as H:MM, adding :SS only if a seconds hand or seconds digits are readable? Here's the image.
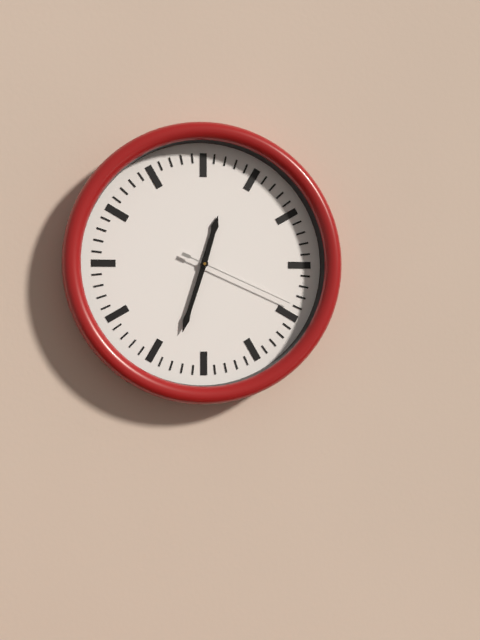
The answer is 12:33:19
